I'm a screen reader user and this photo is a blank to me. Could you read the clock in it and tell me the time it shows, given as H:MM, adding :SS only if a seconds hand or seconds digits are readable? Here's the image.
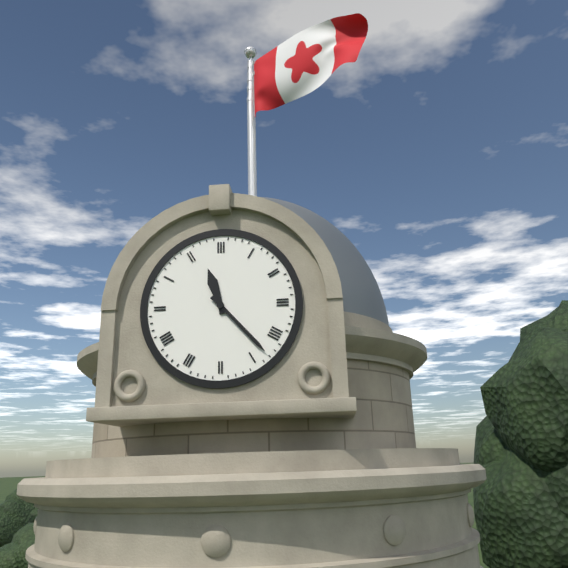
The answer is 11:23
